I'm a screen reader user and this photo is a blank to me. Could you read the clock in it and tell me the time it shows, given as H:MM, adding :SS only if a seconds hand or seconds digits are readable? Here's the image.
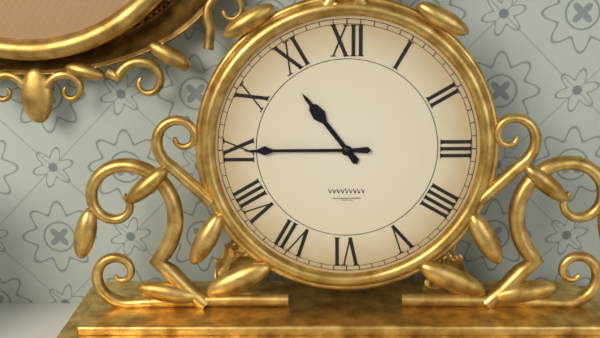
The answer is 10:45
